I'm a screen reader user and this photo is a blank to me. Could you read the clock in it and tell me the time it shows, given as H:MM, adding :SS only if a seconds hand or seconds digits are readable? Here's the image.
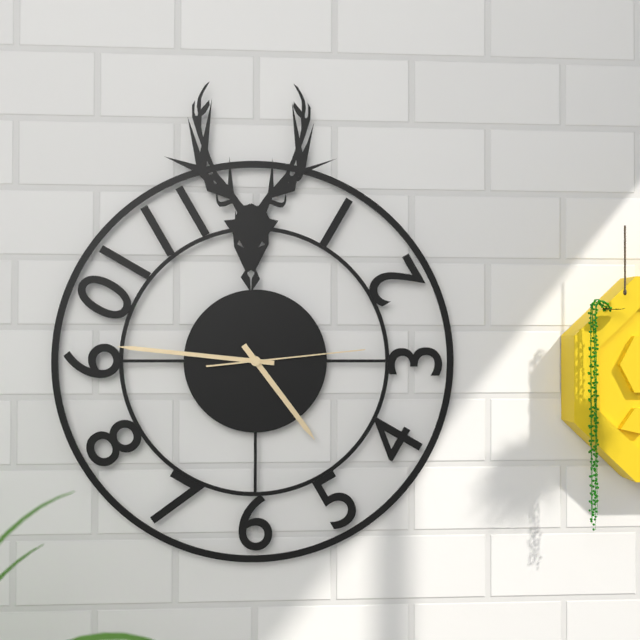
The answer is 4:46:14
